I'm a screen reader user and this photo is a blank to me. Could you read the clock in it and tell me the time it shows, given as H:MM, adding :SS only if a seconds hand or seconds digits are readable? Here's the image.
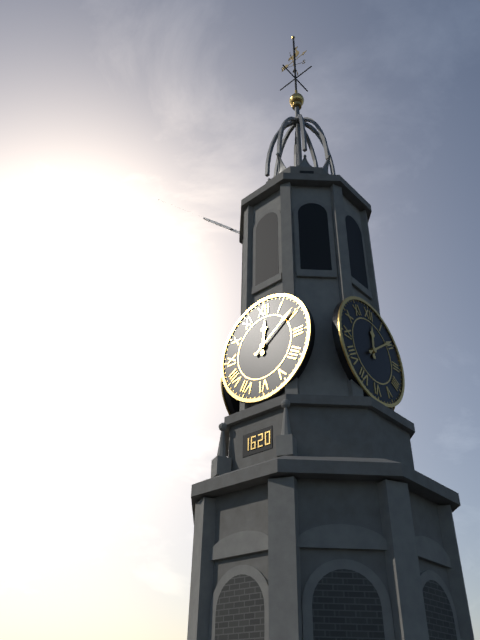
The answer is 12:09
